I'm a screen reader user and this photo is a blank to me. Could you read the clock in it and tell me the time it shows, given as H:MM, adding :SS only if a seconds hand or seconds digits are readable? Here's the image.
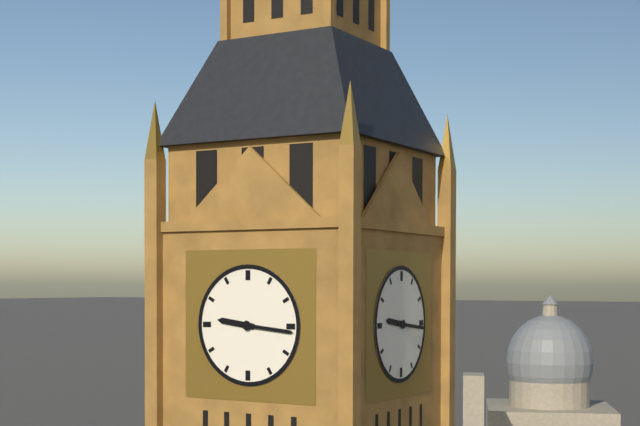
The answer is 9:16
